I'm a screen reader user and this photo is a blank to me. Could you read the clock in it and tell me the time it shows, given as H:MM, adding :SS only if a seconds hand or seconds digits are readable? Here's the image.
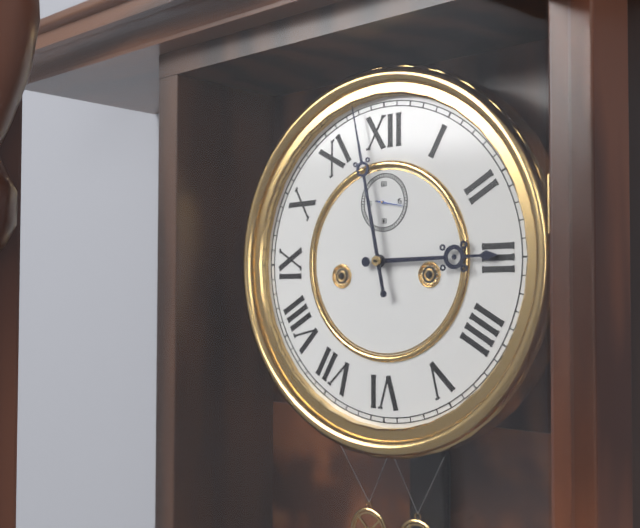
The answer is 2:58
